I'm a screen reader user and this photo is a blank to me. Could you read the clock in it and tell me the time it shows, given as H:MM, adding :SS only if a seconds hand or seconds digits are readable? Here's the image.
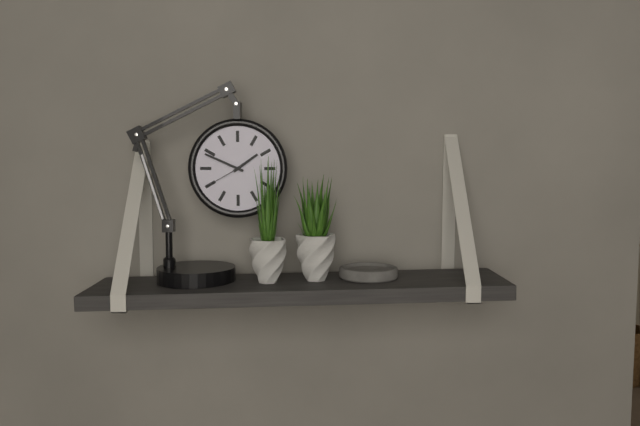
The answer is 1:49
